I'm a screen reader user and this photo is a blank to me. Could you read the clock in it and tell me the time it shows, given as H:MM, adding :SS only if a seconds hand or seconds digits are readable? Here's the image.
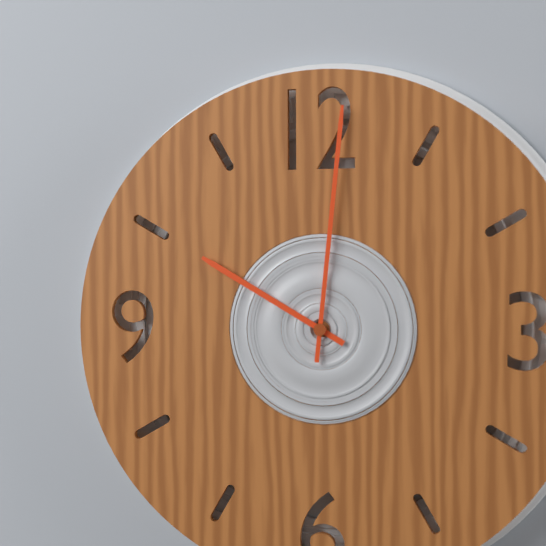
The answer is 10:01
